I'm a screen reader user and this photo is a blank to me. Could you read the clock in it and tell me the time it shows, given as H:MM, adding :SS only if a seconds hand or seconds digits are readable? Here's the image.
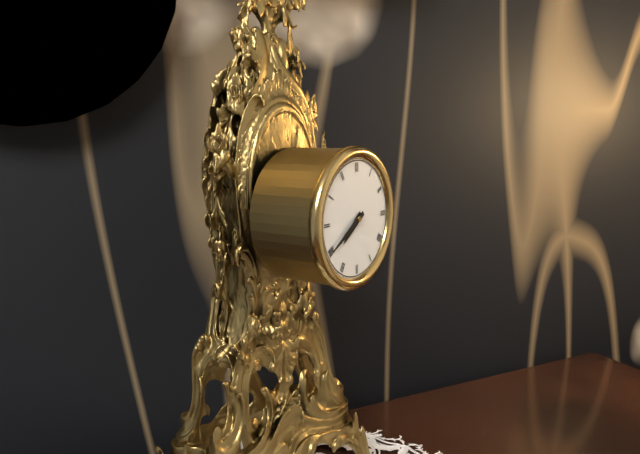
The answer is 7:40
